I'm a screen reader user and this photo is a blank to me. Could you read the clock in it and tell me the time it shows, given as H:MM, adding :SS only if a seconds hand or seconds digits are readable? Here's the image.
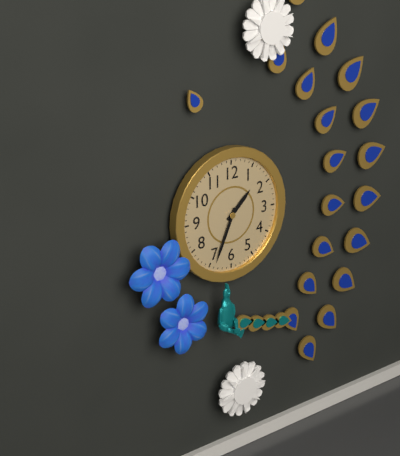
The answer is 1:34
